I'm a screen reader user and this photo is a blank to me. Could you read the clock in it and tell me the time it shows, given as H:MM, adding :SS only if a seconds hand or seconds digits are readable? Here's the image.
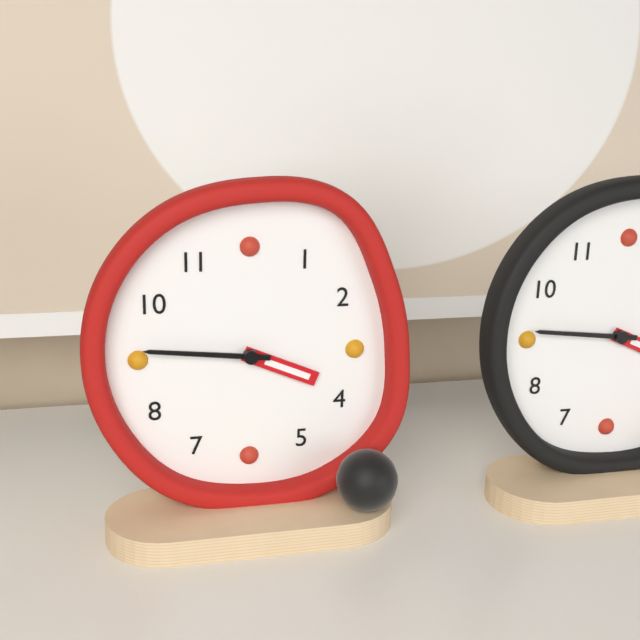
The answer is 3:46
